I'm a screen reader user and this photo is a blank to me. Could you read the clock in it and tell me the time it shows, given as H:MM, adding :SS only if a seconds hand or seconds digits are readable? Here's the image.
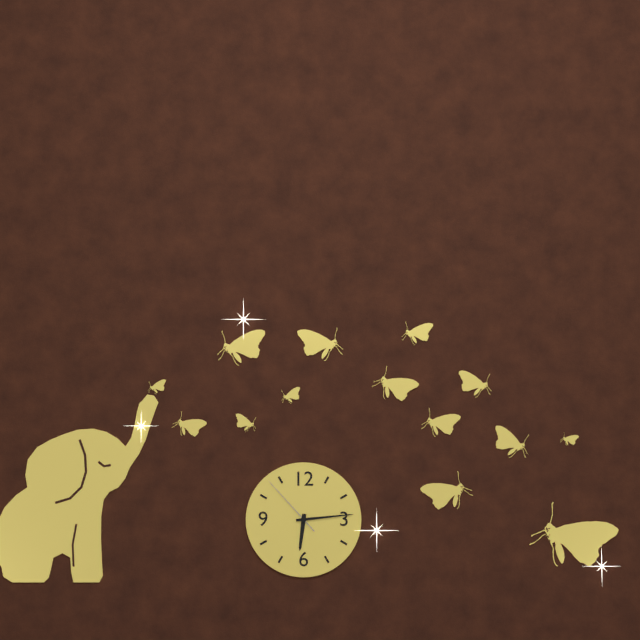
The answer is 6:14:53
